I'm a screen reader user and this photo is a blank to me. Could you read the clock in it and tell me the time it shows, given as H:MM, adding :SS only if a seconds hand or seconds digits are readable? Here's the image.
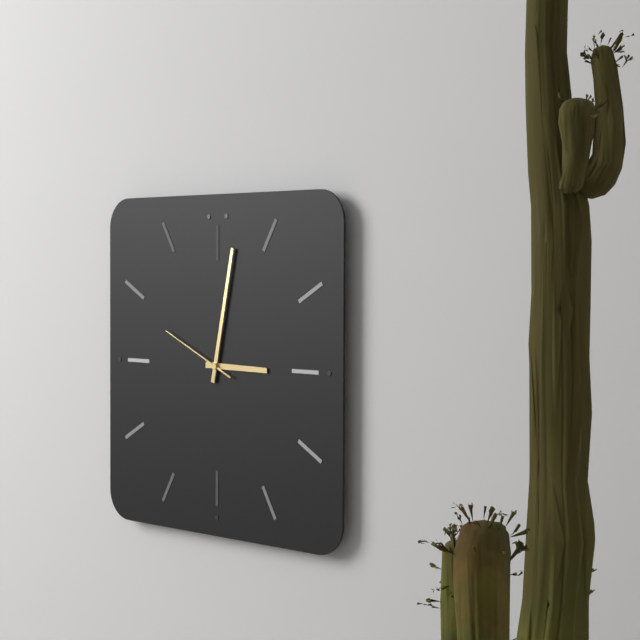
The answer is 3:02:49
